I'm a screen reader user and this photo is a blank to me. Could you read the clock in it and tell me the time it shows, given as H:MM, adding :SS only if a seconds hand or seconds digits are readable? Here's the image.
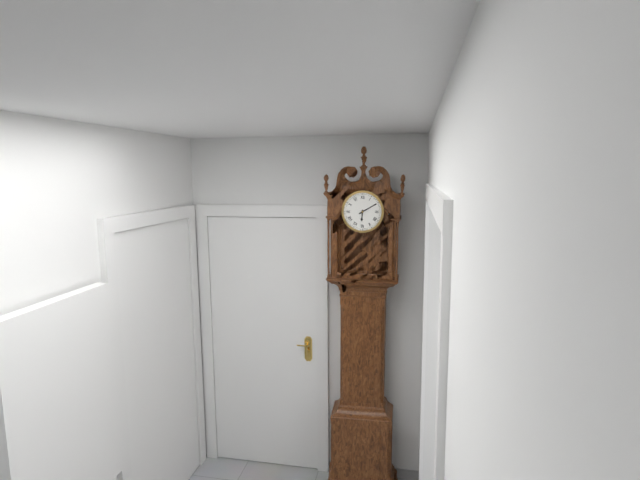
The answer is 6:10
